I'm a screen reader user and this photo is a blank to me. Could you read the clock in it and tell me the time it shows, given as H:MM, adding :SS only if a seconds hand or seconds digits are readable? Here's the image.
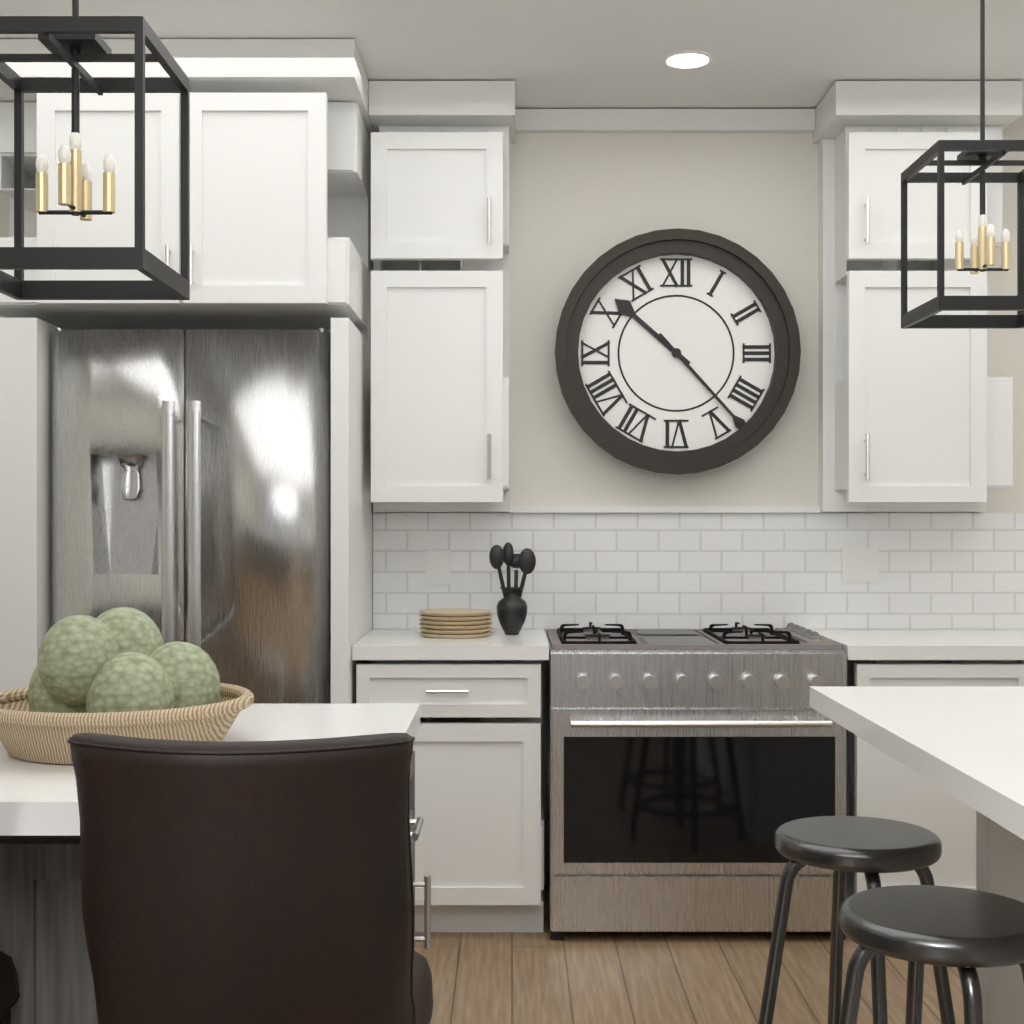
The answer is 10:23
